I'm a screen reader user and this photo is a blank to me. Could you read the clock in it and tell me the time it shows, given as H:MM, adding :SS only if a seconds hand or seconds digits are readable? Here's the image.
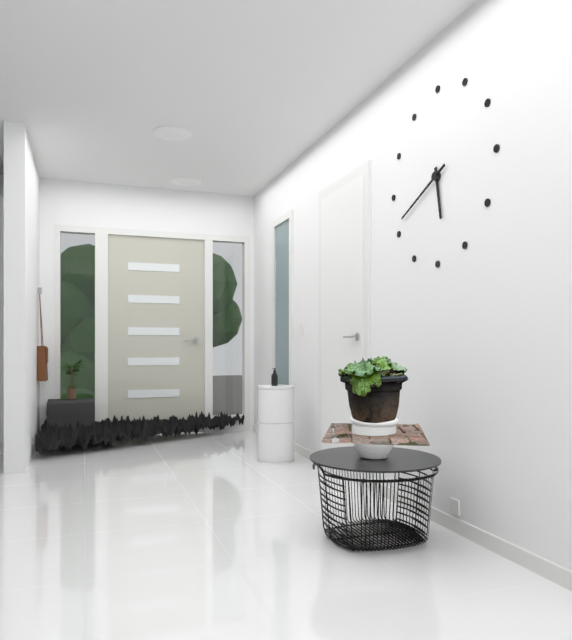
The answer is 5:41
